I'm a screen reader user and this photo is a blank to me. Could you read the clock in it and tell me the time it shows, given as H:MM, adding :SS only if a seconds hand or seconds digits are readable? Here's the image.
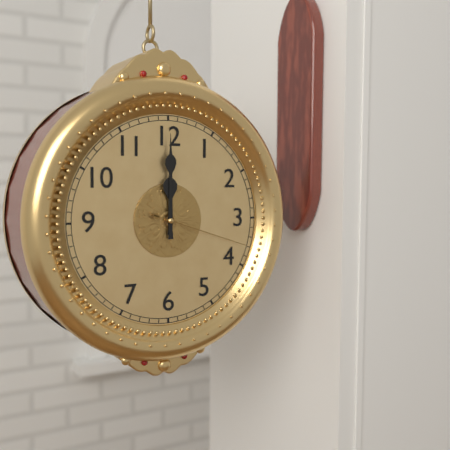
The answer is 12:00:18
